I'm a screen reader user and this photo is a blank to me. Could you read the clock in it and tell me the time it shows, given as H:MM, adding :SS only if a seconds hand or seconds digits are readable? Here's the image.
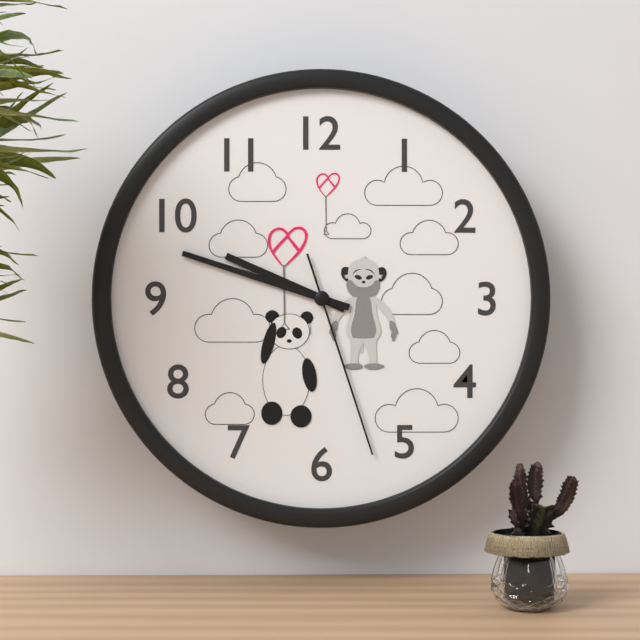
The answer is 9:48:27
